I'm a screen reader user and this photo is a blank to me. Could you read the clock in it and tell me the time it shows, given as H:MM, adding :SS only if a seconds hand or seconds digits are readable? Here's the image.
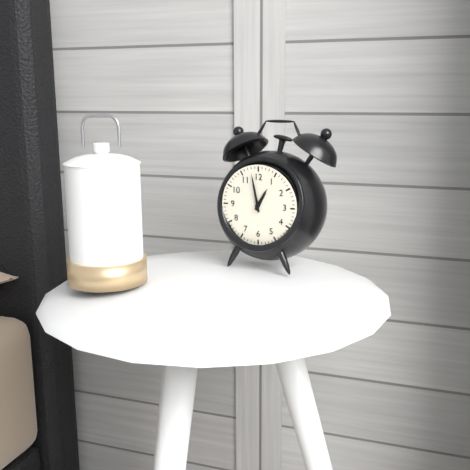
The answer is 12:58
